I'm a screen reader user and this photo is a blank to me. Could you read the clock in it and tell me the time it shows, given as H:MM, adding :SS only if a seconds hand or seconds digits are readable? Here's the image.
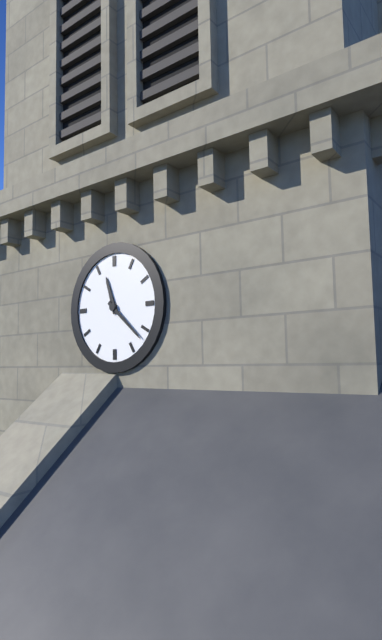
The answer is 11:22
